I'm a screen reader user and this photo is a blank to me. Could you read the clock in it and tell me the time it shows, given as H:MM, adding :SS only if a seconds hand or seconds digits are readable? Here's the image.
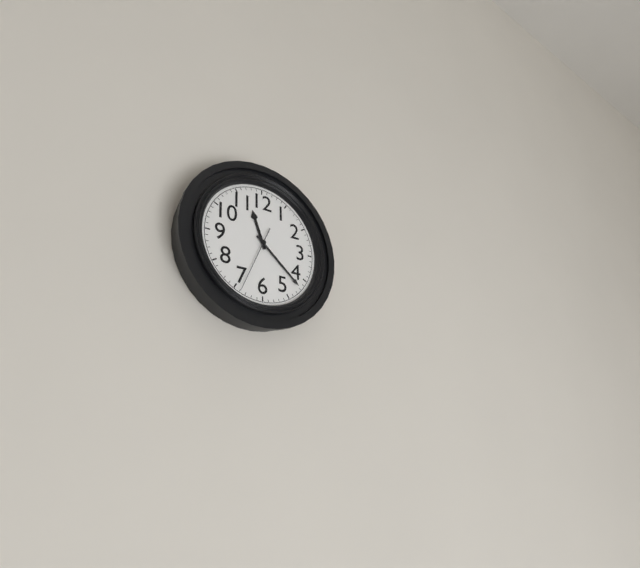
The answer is 11:22:34
